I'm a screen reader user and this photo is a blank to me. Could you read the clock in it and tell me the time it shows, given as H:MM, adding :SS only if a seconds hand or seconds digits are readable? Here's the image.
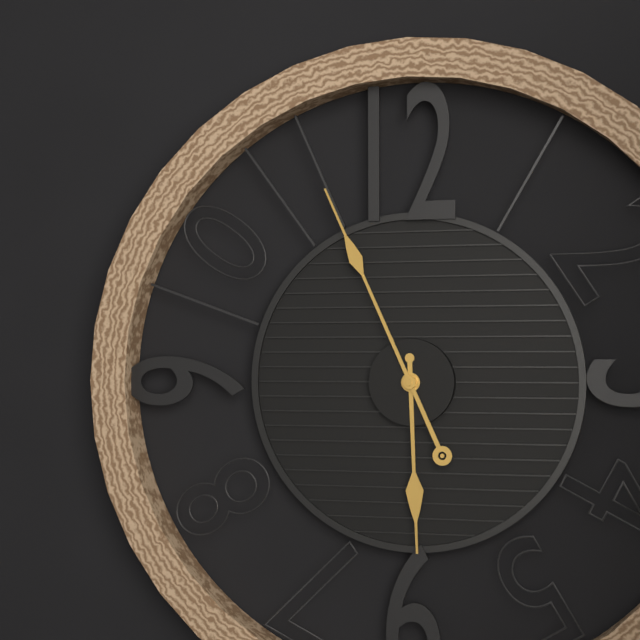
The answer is 5:56
